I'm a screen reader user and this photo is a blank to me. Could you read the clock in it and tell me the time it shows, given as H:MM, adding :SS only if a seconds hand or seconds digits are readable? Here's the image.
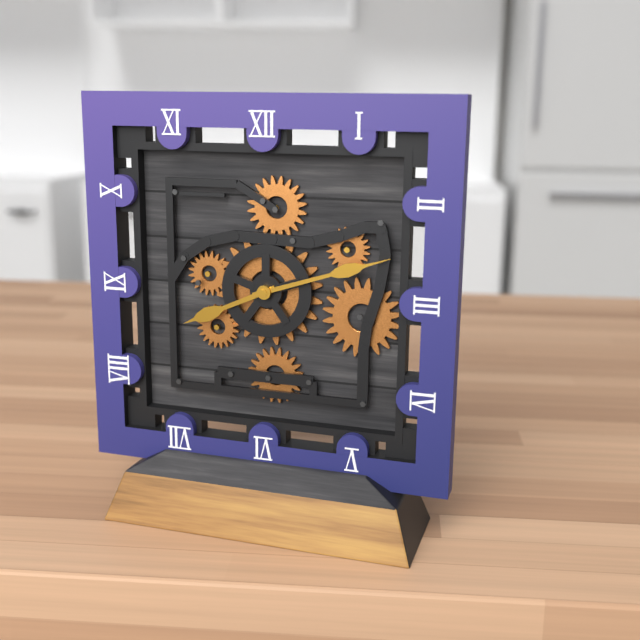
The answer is 8:12
